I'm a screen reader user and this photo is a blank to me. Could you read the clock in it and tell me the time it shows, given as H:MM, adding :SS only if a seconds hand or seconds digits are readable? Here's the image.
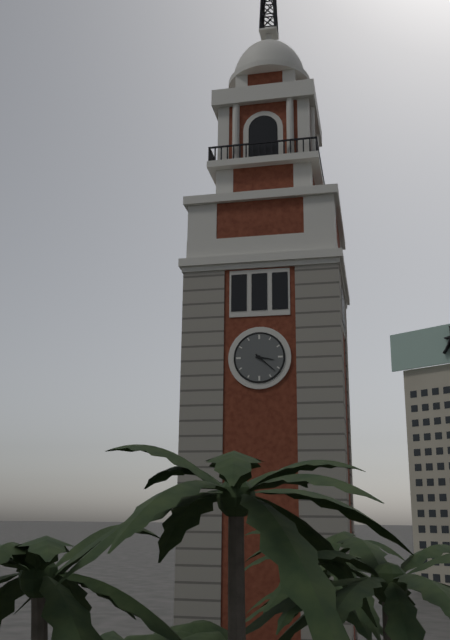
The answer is 3:22
